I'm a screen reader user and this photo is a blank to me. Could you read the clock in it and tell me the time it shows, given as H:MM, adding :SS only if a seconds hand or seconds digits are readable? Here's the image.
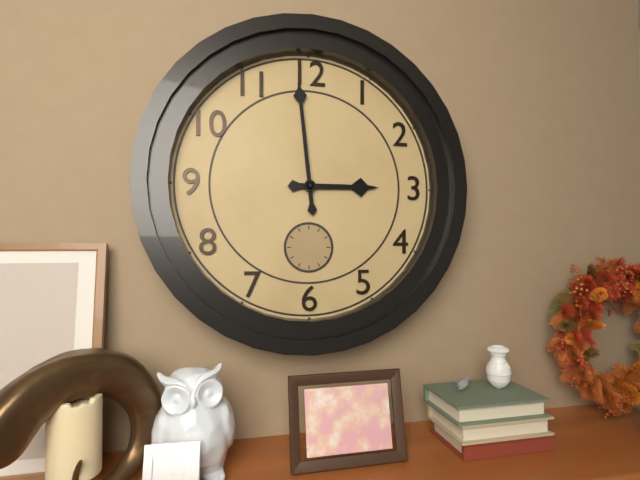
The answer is 2:59
